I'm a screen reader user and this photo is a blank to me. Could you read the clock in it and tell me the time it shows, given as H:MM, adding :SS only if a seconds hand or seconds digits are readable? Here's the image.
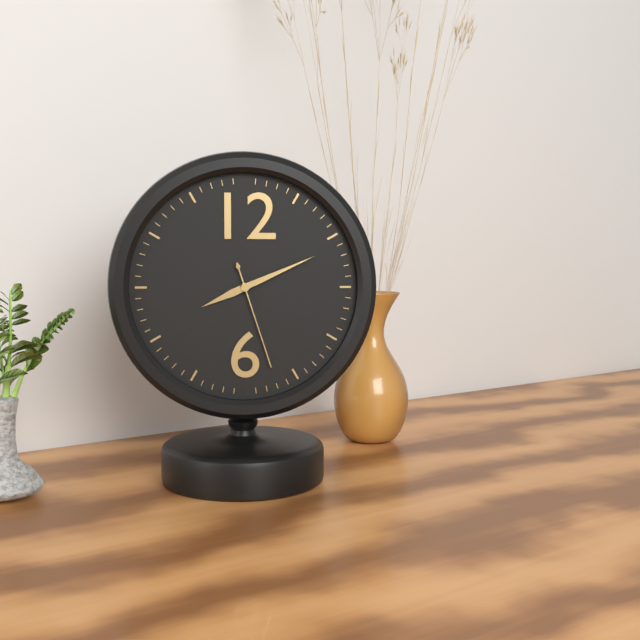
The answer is 8:11:27
